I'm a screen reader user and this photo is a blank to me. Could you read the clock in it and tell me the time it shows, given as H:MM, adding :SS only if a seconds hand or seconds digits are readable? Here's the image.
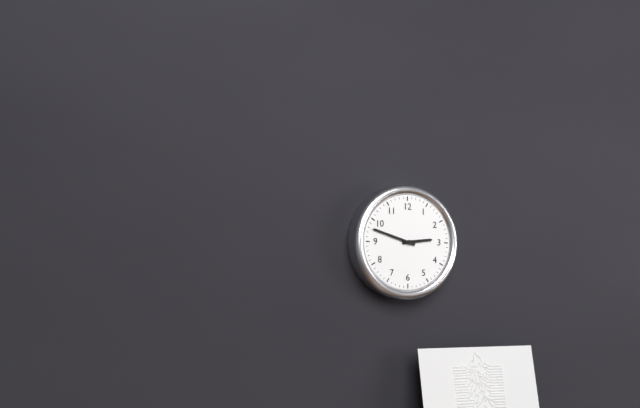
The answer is 2:48
